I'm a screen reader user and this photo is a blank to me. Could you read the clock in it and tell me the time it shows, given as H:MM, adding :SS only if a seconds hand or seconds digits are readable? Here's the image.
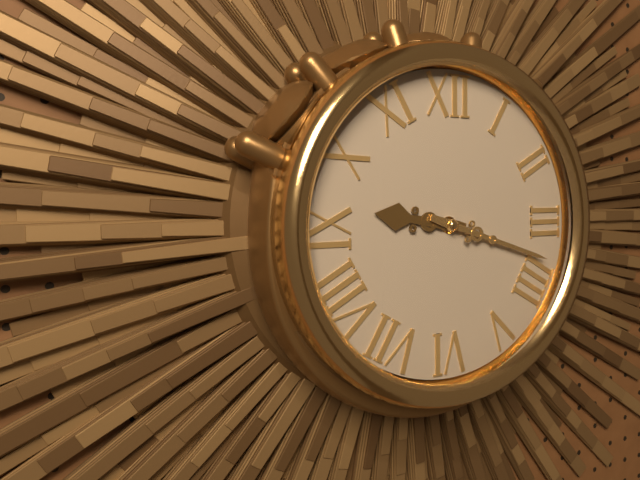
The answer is 9:18
